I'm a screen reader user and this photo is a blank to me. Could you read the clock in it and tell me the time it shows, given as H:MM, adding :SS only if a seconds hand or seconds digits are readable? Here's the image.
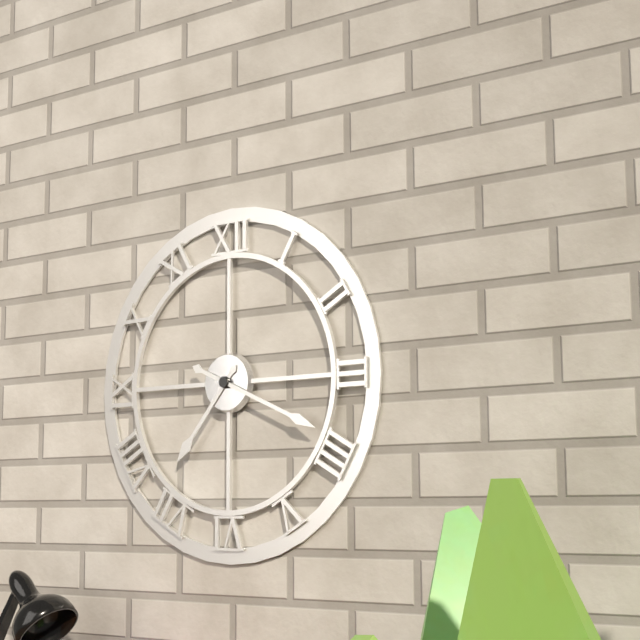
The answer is 7:19
